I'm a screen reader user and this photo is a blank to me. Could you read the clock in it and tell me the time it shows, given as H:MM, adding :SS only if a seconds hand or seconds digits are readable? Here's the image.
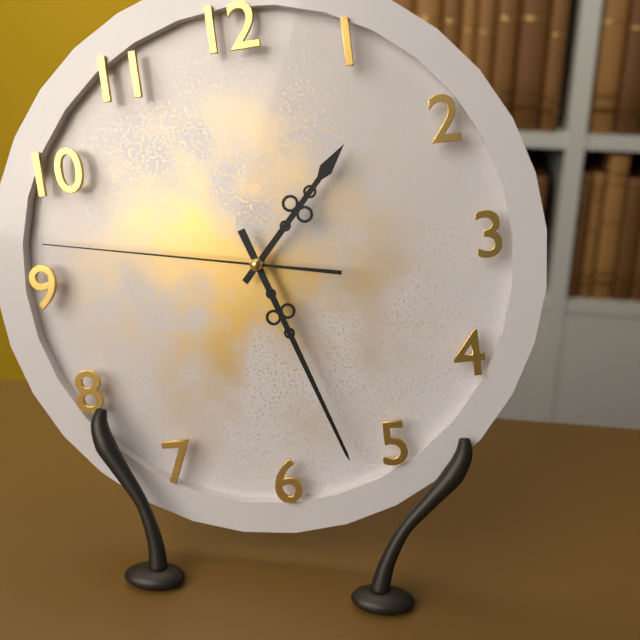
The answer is 1:27:47
